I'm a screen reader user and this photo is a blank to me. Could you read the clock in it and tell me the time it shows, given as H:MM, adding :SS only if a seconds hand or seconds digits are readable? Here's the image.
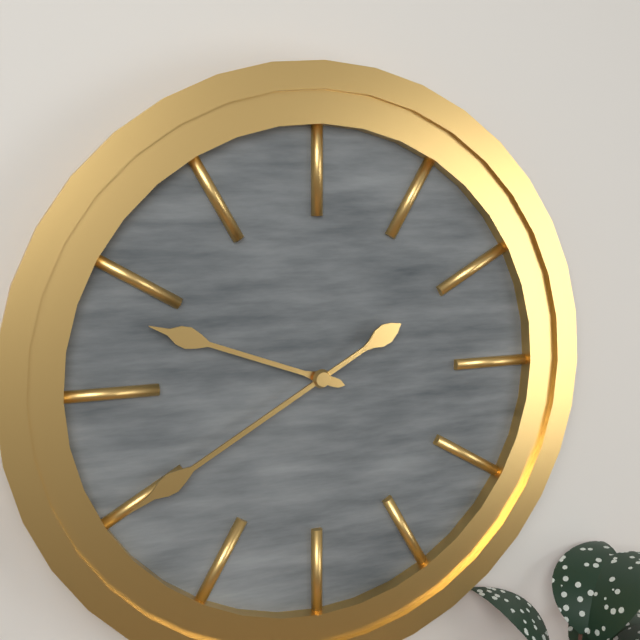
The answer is 9:40
